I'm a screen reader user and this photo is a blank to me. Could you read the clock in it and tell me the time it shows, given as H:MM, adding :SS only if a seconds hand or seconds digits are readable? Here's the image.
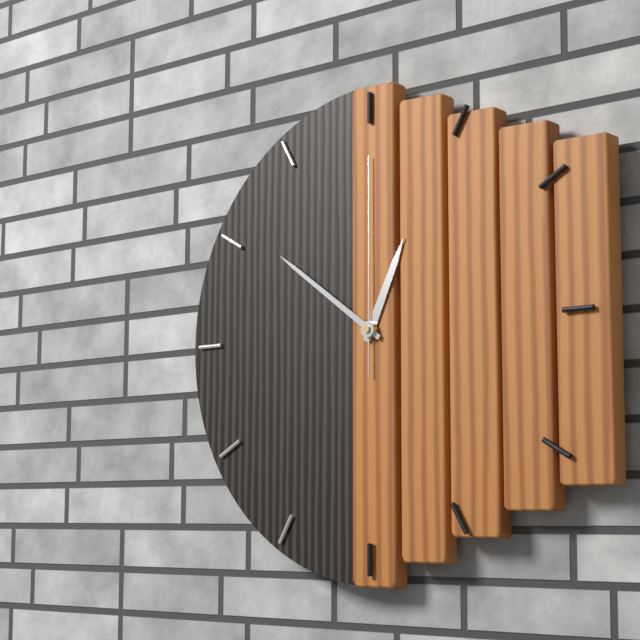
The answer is 12:51:00
